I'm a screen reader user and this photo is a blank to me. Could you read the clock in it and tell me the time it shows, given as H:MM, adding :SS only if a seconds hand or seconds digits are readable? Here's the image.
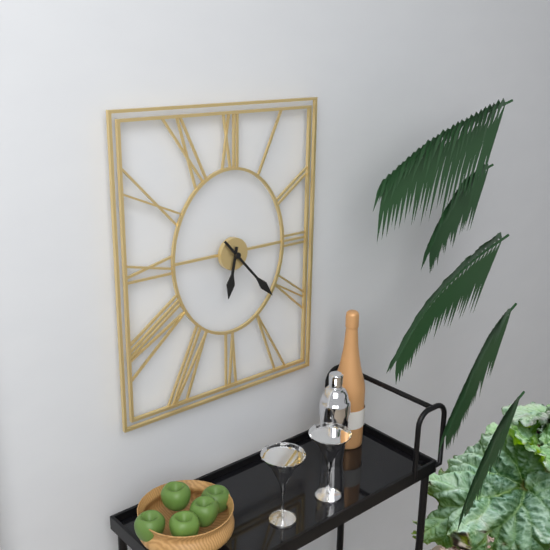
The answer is 6:23
